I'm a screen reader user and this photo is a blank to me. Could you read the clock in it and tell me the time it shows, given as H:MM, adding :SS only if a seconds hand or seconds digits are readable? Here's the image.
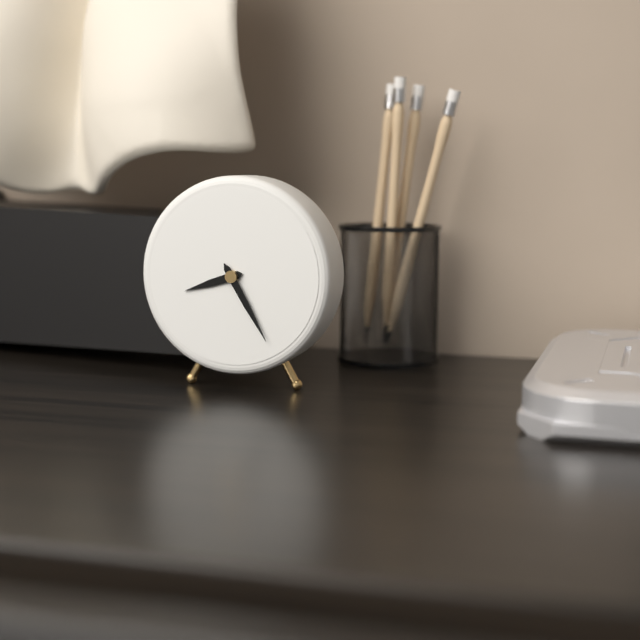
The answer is 8:25
